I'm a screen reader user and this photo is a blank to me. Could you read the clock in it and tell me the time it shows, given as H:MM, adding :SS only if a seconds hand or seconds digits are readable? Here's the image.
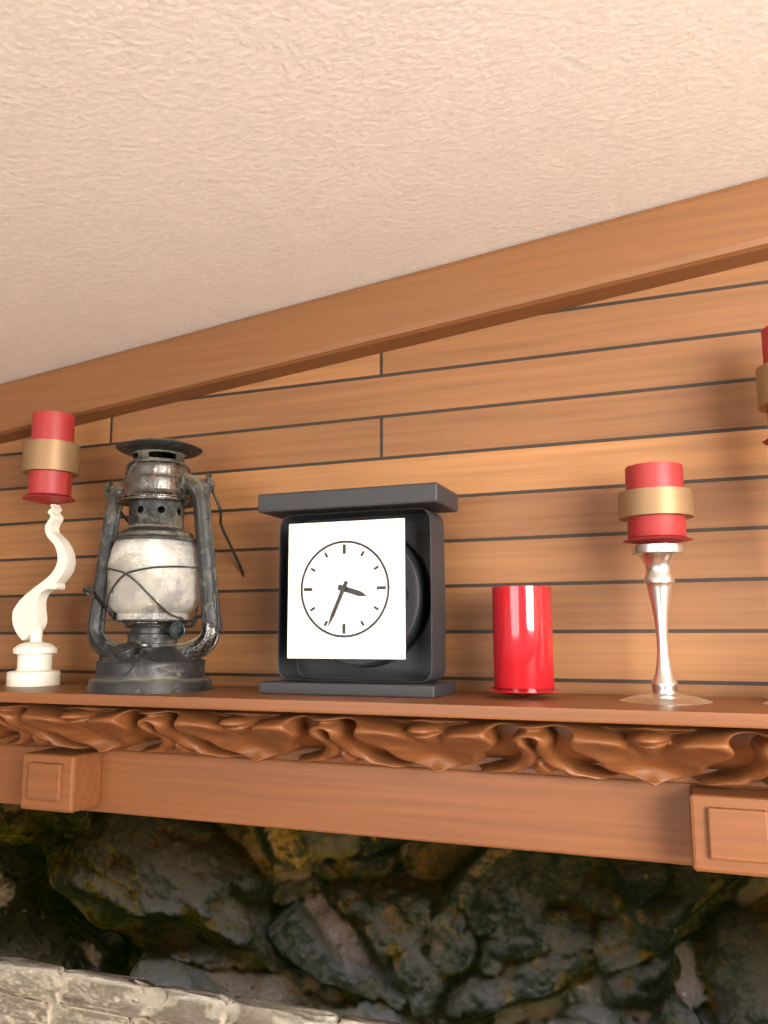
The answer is 3:34
